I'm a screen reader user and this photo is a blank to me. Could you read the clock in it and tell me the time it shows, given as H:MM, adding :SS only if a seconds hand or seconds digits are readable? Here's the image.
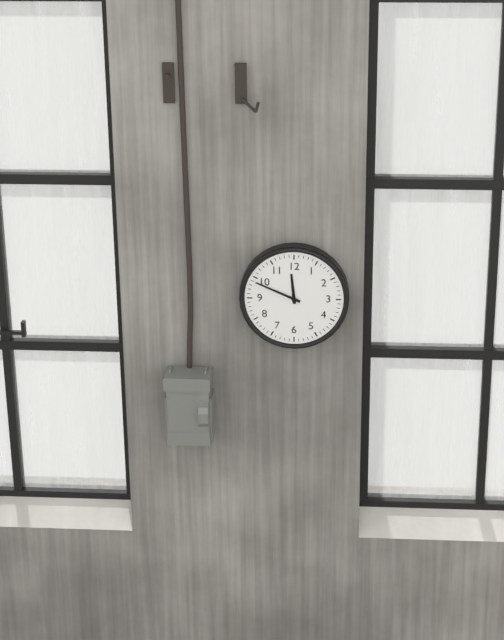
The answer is 11:49
